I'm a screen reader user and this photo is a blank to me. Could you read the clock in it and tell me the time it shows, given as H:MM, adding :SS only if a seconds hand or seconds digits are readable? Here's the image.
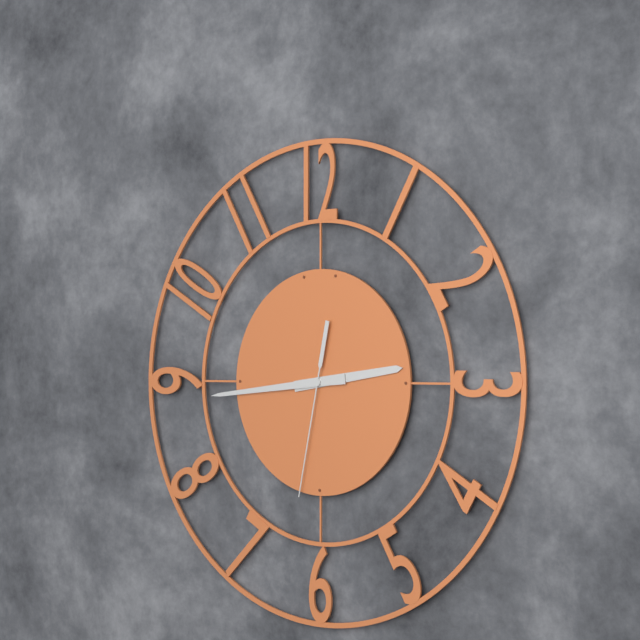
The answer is 2:44:32
